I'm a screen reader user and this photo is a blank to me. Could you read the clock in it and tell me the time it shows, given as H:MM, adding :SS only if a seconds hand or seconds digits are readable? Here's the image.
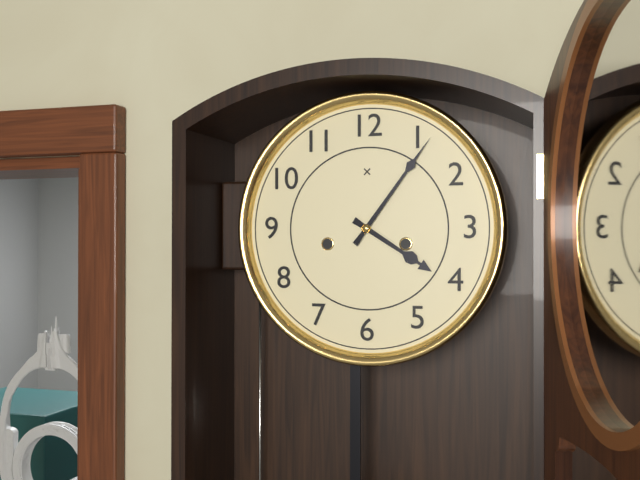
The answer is 4:06
